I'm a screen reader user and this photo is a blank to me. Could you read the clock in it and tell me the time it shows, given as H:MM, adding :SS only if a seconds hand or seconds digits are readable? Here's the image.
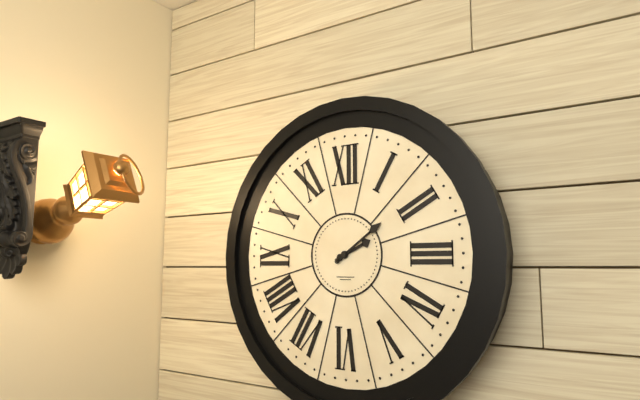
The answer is 2:09
